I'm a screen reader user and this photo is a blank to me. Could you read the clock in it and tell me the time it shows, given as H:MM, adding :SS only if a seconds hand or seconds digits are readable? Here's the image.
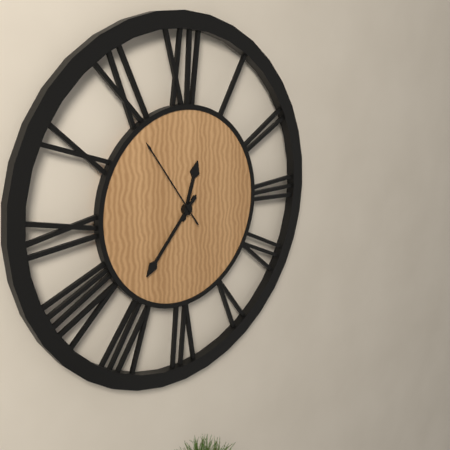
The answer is 12:37:54
